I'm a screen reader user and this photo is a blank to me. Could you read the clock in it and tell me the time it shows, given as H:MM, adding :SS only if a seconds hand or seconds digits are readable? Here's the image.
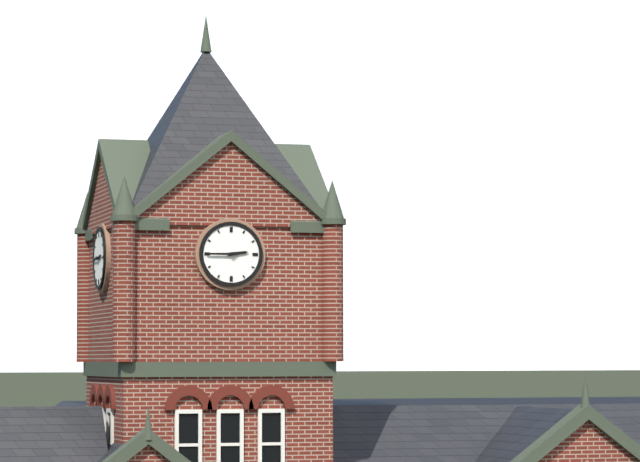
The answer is 2:45
